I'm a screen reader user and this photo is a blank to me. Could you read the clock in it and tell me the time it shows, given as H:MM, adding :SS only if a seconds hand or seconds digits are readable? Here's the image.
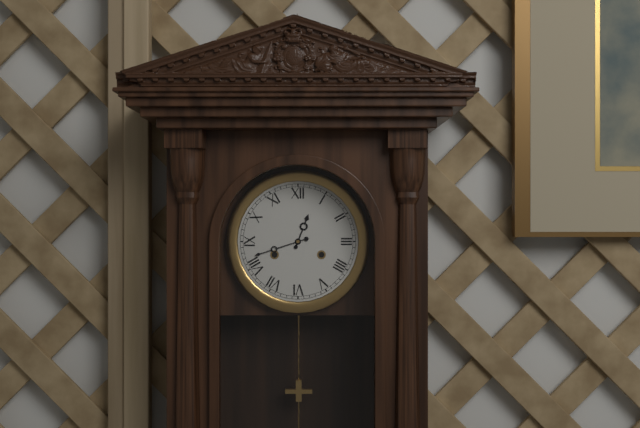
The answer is 12:42
